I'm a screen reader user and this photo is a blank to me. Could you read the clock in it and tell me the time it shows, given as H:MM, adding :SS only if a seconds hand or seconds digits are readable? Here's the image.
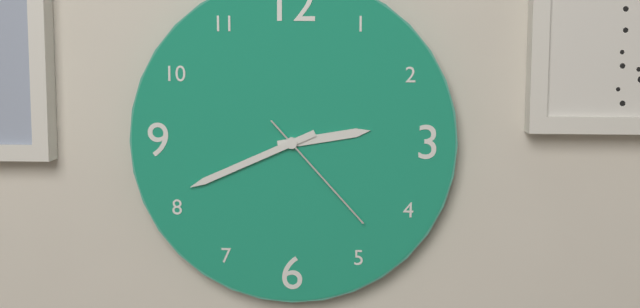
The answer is 2:41:23
